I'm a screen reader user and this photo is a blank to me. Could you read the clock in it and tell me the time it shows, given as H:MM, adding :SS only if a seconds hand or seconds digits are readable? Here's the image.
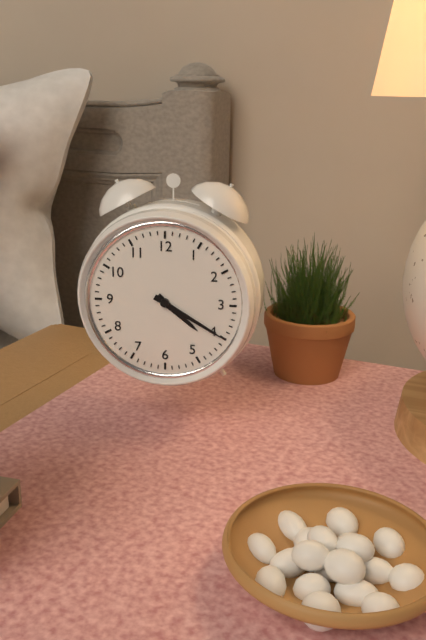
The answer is 4:20
